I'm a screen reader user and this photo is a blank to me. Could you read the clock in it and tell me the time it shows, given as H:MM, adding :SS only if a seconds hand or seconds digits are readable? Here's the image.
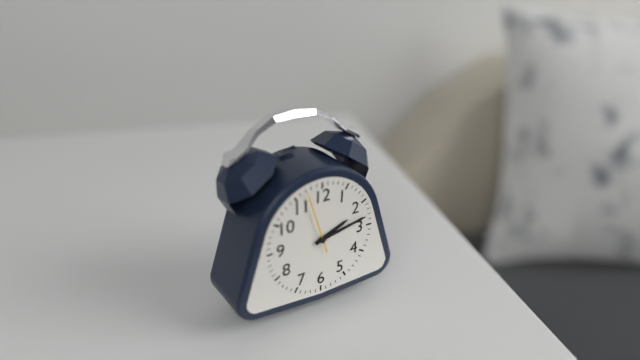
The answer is 2:13
